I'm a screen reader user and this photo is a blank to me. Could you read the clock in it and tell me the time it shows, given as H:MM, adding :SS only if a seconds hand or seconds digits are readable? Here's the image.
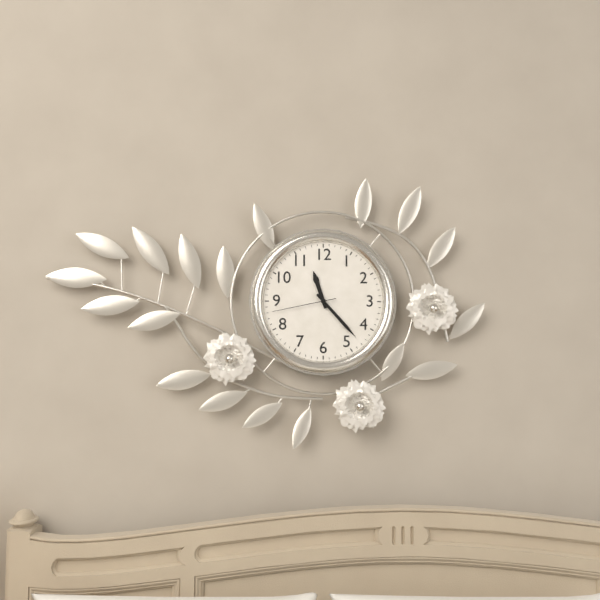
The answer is 11:23:43
